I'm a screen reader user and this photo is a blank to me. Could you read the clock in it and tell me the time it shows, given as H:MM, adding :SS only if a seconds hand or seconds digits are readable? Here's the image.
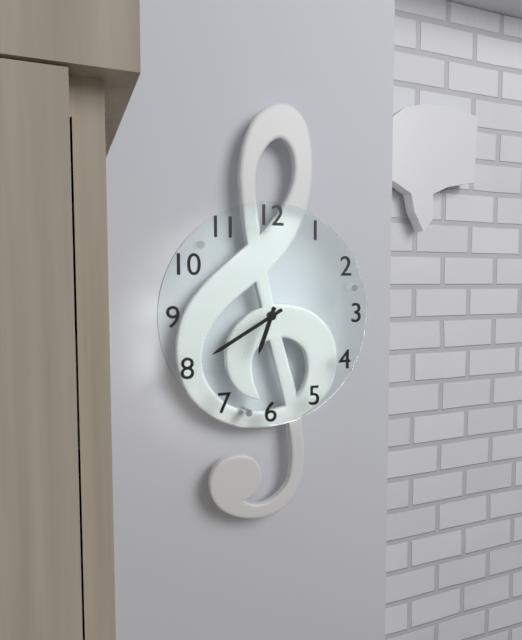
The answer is 6:40
